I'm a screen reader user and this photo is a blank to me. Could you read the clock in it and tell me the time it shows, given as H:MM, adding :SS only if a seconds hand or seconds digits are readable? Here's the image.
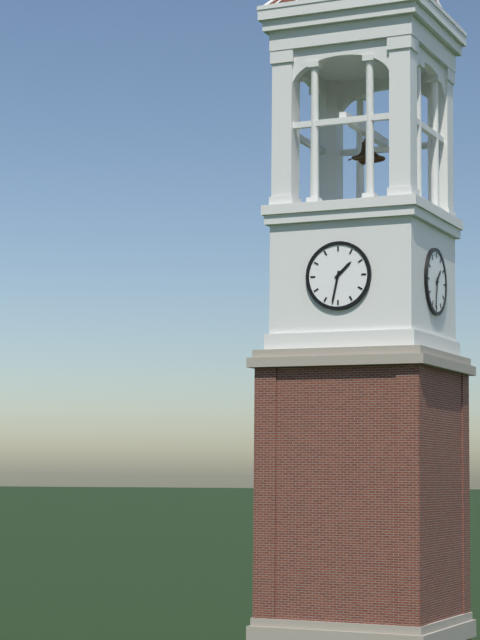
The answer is 1:32
